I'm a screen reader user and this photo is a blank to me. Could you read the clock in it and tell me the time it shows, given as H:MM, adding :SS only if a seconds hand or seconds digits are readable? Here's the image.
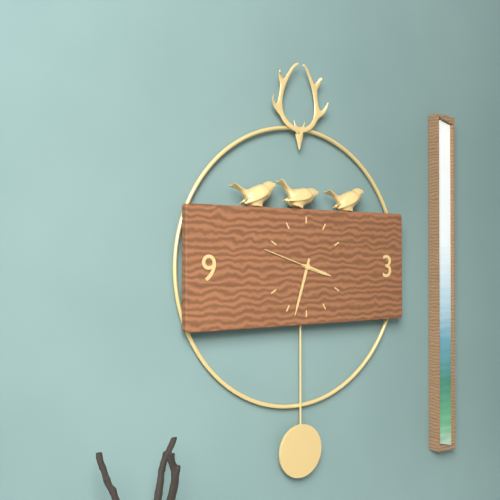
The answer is 3:33:48
